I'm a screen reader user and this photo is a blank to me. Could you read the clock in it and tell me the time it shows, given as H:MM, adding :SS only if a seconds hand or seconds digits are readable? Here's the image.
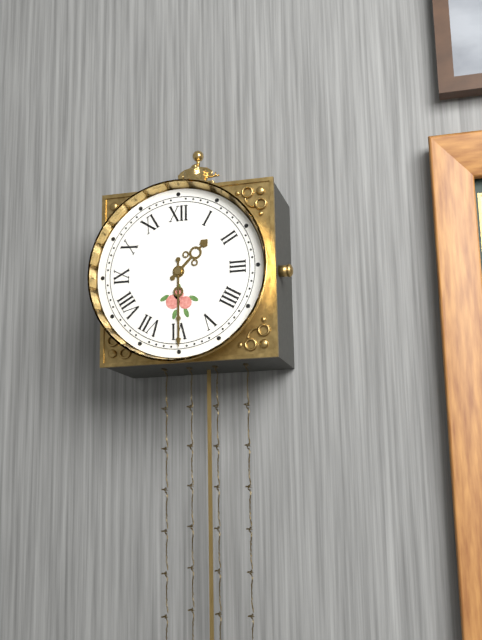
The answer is 1:30
